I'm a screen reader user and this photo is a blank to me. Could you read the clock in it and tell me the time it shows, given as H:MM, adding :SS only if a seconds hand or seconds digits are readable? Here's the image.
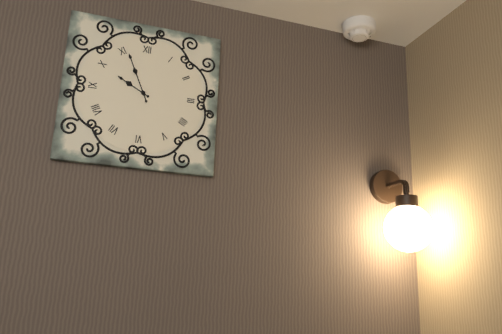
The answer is 9:56
